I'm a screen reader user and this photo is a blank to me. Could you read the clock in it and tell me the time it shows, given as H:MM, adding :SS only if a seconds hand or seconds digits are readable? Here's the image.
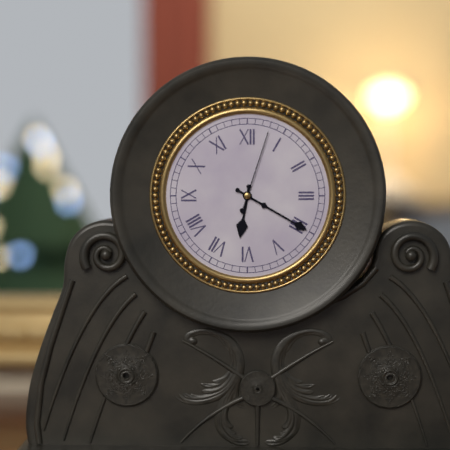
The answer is 6:20:03
